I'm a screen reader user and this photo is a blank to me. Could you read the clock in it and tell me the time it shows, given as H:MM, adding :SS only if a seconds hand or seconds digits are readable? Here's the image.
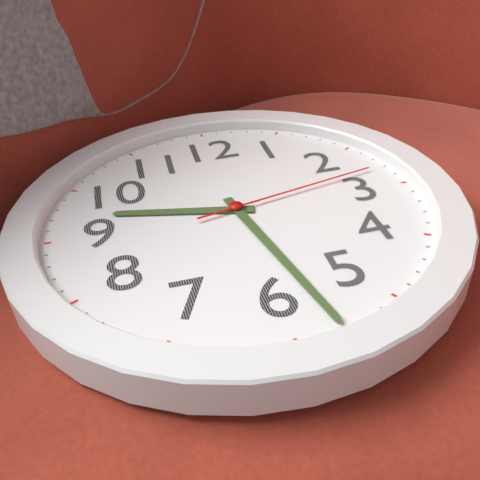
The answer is 9:28:13
